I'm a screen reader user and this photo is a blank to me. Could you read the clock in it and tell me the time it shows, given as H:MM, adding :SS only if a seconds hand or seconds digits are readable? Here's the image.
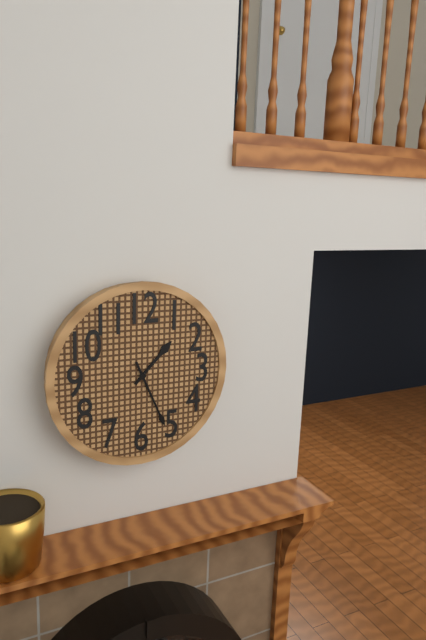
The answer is 1:26
